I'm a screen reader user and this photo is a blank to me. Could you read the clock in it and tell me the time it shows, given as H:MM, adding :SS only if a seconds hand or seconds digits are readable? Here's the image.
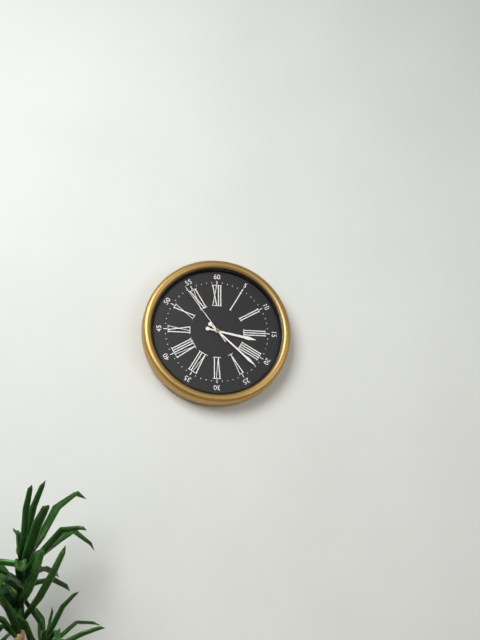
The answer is 3:22:54
